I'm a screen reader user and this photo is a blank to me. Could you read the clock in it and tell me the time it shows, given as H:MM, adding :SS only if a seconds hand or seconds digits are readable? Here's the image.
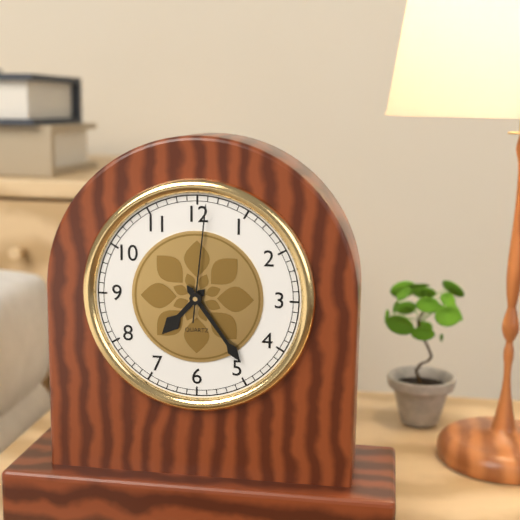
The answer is 7:24:01
